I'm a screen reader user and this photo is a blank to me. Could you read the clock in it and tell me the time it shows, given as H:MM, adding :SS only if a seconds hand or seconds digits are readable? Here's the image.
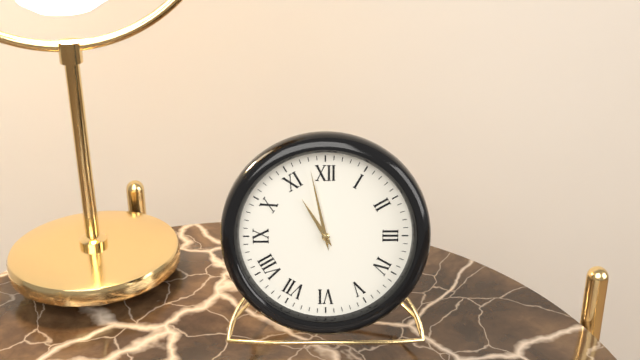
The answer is 10:58
